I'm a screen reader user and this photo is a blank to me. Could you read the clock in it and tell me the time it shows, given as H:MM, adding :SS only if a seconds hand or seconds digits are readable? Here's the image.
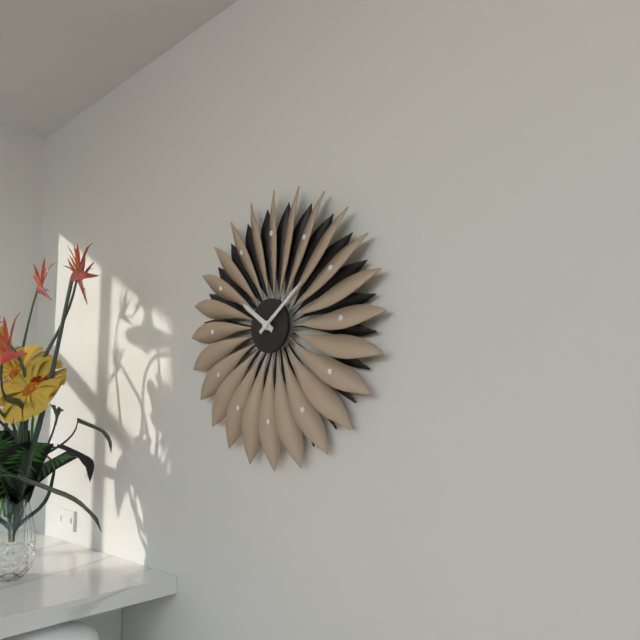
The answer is 10:09
